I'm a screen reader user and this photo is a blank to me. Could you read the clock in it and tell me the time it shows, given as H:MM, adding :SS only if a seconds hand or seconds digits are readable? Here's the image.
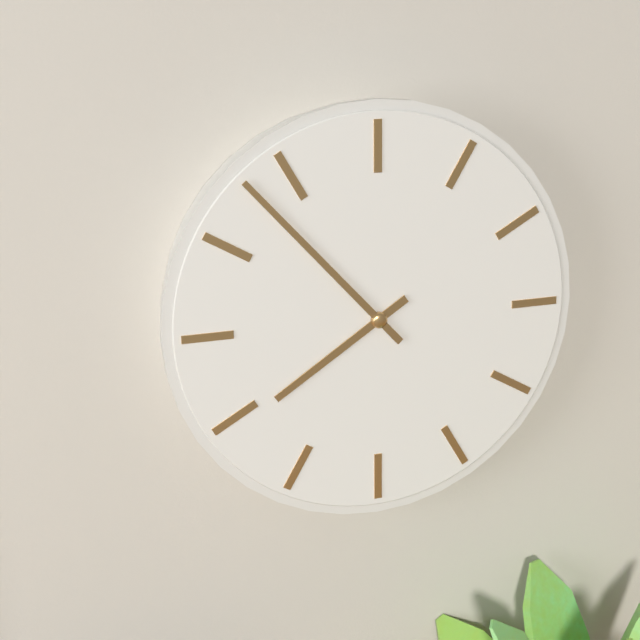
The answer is 7:53
